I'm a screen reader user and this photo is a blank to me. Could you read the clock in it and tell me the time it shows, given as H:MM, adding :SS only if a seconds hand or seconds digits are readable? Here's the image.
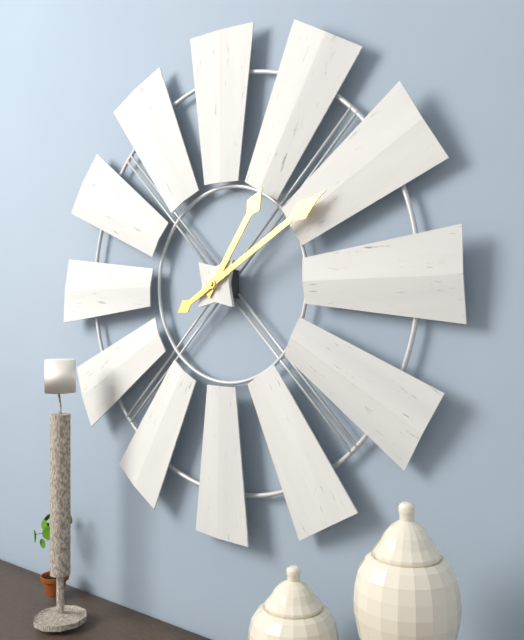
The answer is 1:10
